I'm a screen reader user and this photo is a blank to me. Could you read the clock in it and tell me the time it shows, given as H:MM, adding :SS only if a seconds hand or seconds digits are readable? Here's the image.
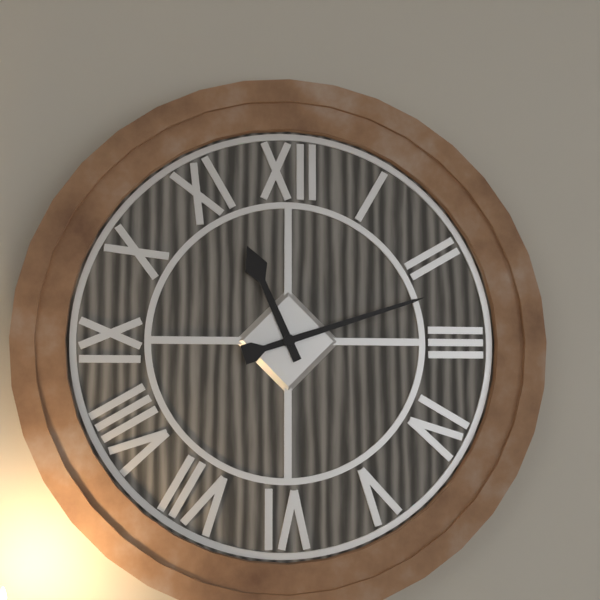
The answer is 11:12
